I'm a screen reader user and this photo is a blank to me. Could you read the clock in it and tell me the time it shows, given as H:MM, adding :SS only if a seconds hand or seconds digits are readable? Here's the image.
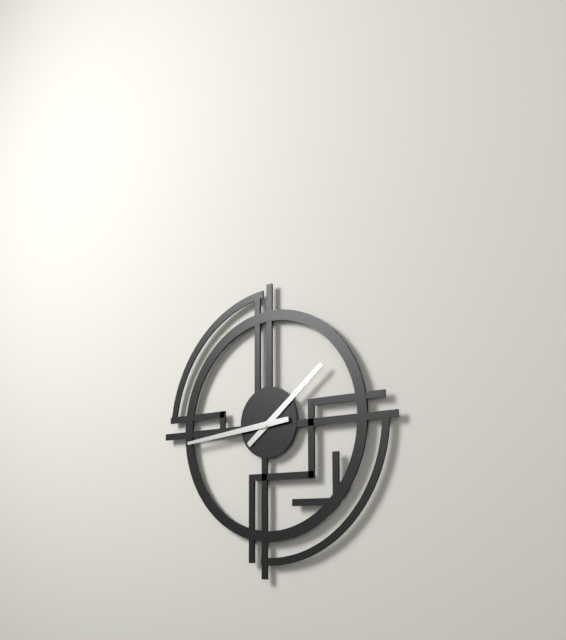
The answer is 1:44
